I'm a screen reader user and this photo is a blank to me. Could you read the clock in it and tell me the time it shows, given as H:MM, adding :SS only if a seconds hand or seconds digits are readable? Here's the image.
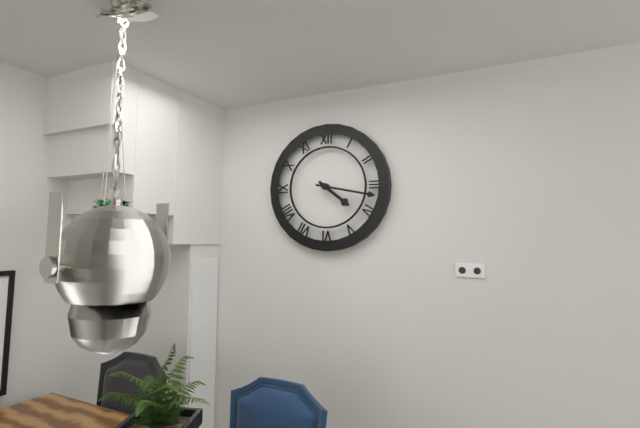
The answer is 4:17
